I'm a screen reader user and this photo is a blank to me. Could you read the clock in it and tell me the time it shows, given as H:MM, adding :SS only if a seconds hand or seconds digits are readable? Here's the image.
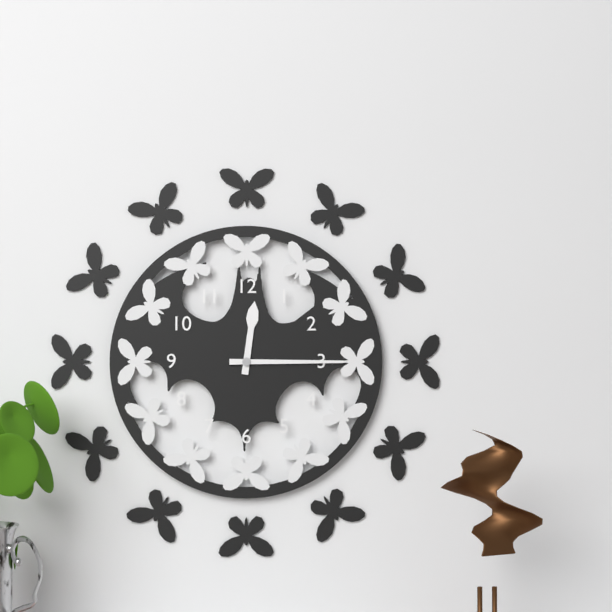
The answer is 12:15
